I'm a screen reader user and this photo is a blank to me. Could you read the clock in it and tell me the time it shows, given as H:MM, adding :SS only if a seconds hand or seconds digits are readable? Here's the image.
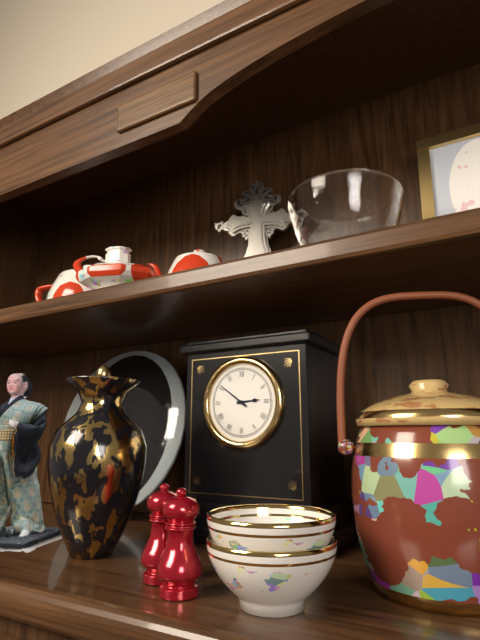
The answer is 2:51
